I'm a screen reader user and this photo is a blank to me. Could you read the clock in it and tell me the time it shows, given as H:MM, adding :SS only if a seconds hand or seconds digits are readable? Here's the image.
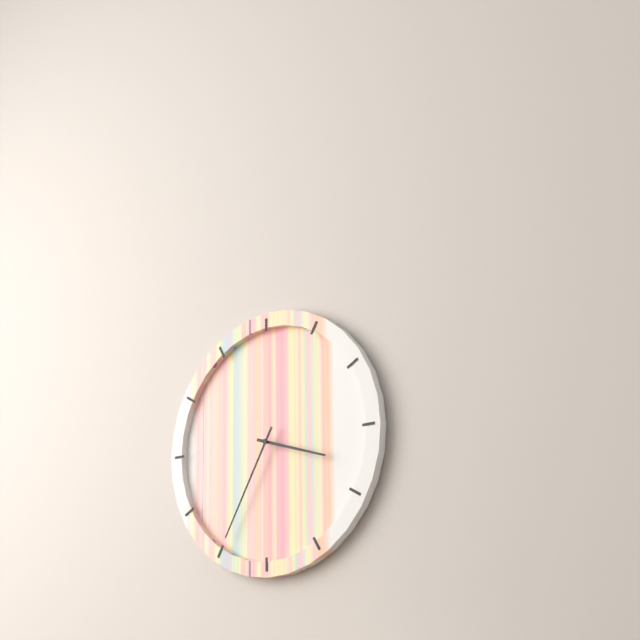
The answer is 3:35
